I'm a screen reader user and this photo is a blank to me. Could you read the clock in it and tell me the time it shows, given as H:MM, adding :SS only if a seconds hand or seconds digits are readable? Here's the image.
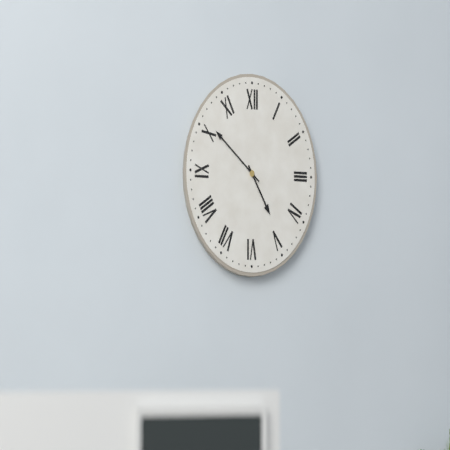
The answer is 4:51
